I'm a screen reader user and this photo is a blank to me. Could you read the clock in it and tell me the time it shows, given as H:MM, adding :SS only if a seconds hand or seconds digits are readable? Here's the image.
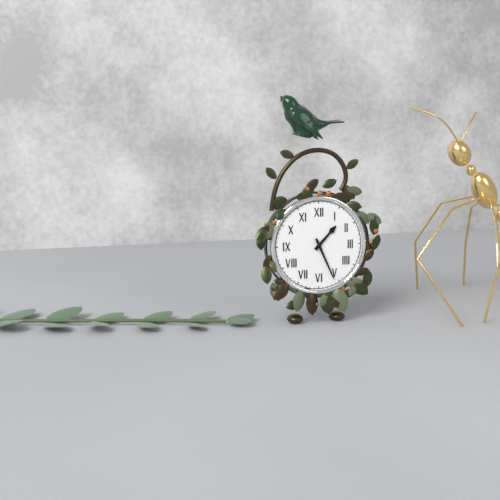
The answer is 1:26
